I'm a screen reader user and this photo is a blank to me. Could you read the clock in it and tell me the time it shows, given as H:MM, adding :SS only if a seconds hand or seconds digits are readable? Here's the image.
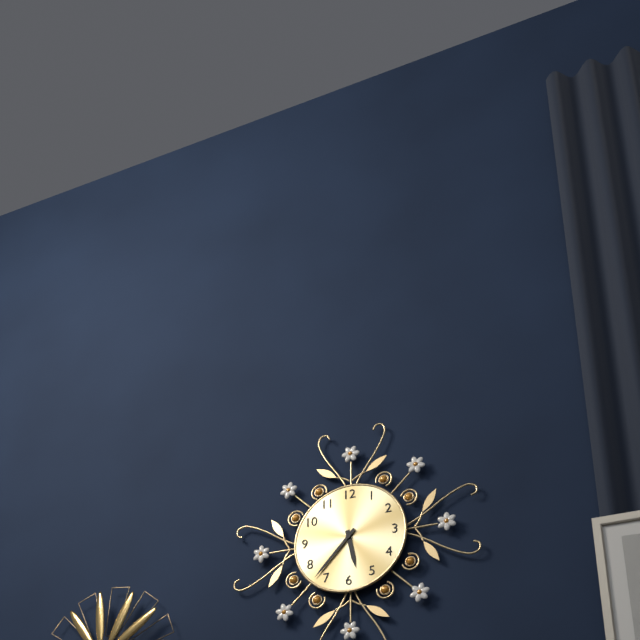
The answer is 5:37
